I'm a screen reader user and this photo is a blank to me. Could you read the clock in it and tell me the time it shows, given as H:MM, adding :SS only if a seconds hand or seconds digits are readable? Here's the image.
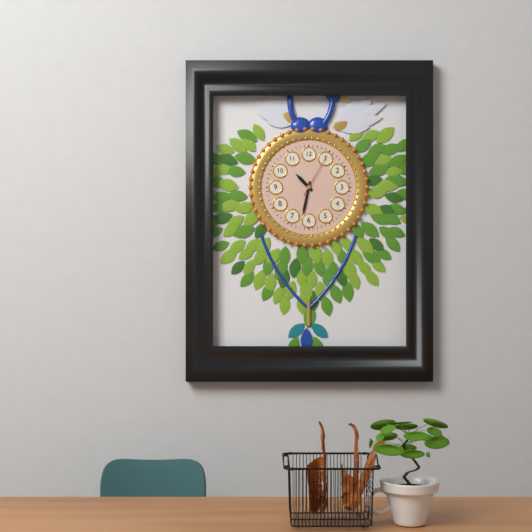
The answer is 10:32
